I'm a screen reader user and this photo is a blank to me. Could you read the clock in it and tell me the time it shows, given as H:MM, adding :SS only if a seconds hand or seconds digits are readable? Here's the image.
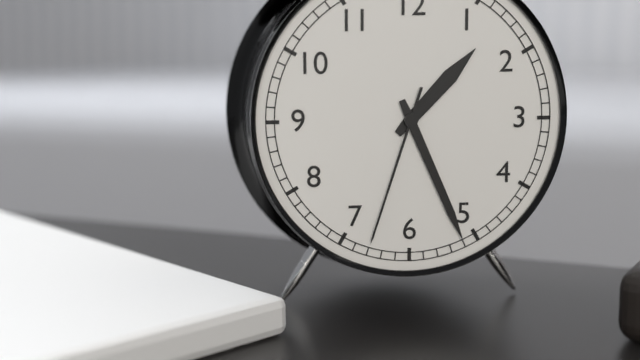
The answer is 1:26:33
